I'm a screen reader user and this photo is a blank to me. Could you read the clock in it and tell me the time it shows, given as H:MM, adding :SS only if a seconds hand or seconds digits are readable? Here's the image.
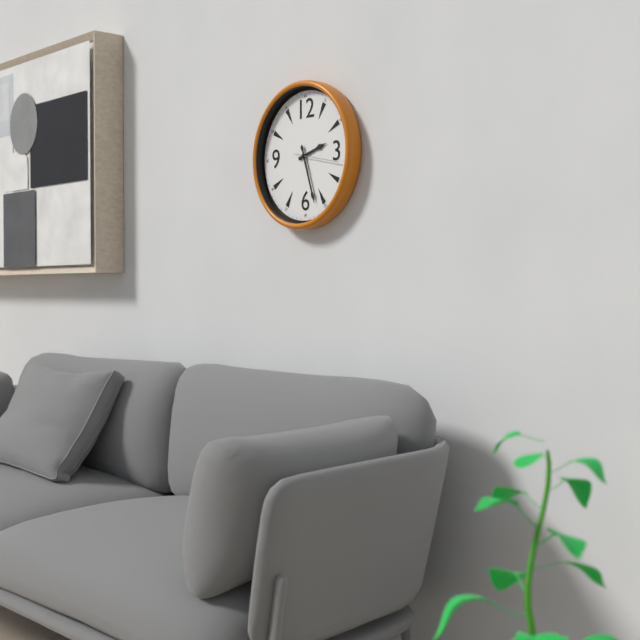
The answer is 2:27
